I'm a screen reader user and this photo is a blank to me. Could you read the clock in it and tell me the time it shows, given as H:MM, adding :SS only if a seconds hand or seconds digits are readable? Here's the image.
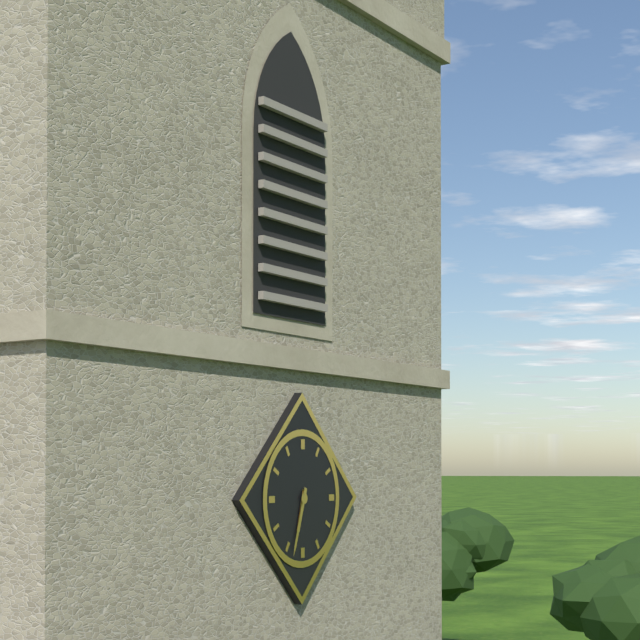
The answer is 6:33
